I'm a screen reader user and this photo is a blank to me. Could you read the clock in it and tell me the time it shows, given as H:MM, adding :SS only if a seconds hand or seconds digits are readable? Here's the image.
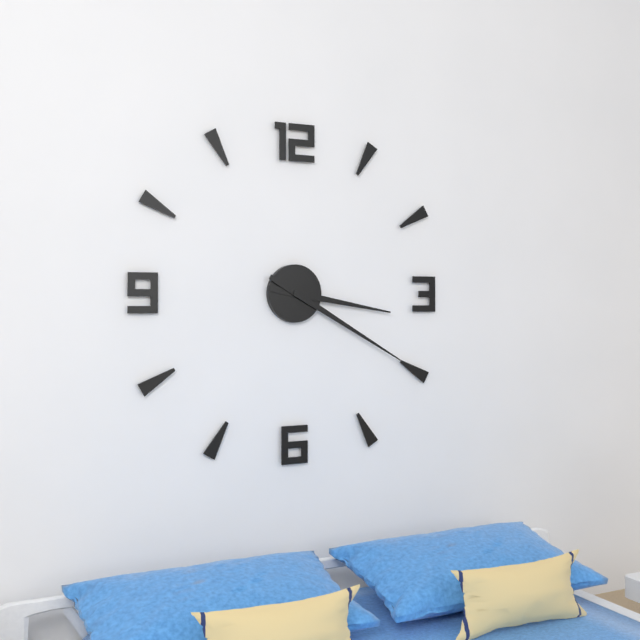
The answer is 3:20
